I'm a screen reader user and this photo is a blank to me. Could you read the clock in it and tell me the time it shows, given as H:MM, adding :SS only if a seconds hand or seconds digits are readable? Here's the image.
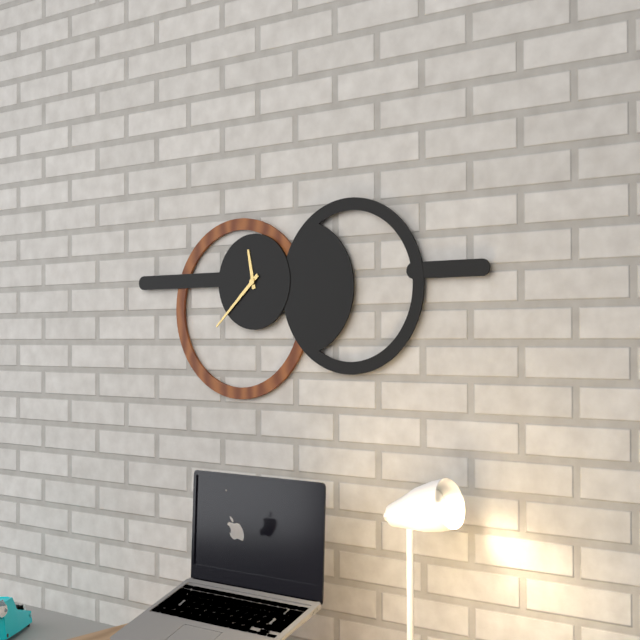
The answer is 11:38
